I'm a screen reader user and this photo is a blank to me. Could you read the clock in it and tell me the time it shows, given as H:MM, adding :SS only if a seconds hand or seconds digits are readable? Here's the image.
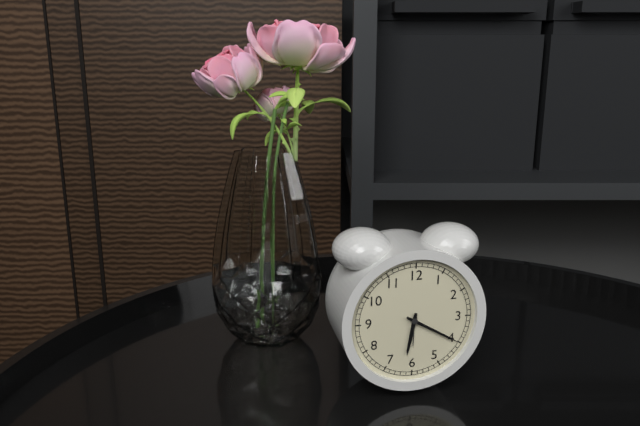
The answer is 6:20
